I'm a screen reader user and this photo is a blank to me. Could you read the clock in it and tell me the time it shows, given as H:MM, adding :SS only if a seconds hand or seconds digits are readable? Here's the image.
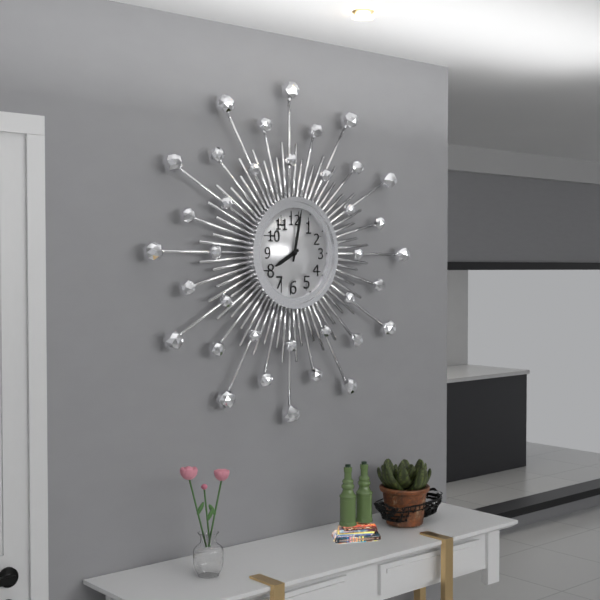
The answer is 8:02
